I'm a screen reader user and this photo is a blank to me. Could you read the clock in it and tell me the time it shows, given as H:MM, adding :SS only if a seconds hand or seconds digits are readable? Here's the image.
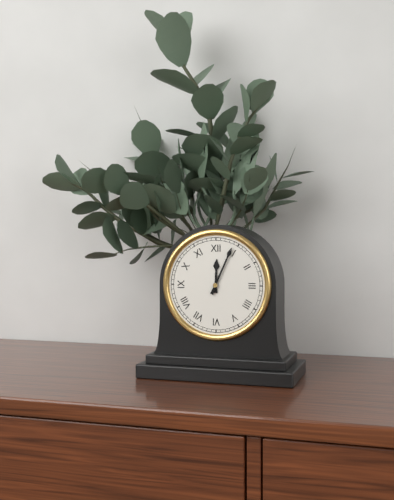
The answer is 12:04
